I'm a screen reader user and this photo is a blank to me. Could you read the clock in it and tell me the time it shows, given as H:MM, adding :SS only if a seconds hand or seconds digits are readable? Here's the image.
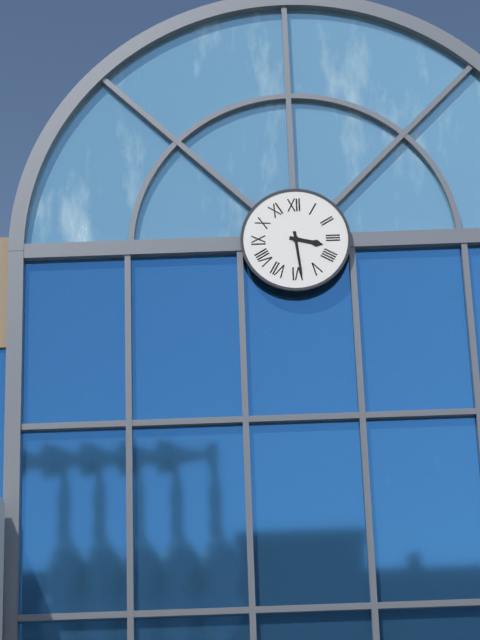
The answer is 3:29
